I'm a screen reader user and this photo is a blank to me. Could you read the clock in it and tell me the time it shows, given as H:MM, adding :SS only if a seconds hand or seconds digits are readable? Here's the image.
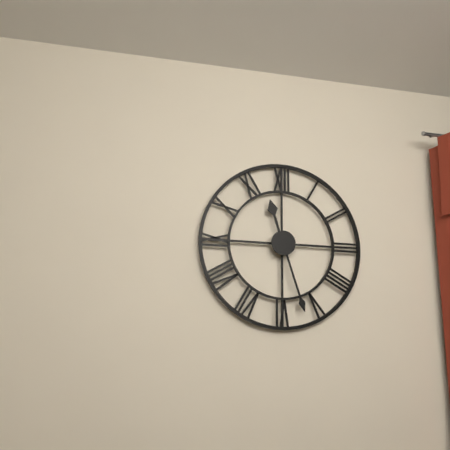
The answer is 11:27
